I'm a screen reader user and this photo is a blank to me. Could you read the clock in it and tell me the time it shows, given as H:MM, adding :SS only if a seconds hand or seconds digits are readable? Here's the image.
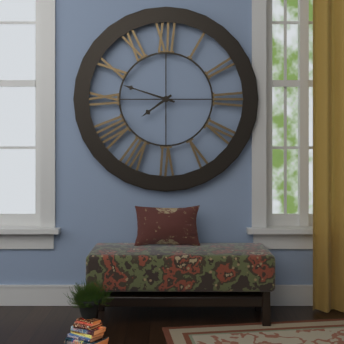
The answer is 7:48
